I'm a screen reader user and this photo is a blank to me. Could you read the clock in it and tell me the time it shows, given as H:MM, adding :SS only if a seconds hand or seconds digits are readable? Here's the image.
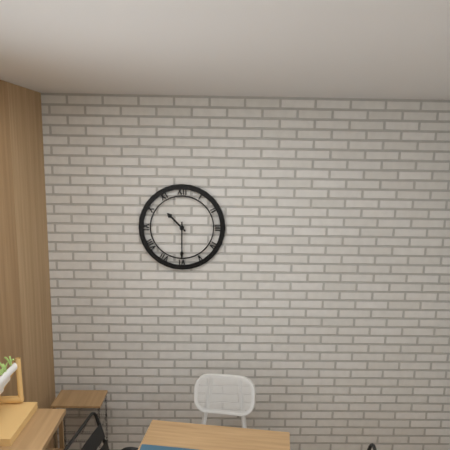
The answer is 10:30
